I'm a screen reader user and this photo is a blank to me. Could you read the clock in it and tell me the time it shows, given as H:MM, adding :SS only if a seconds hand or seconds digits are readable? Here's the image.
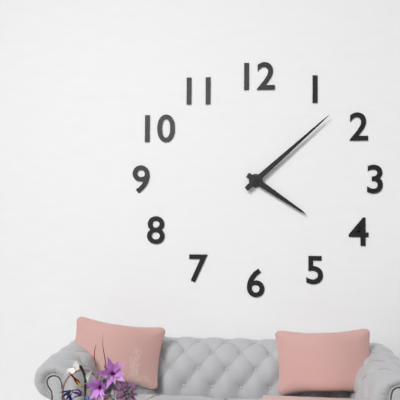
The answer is 4:08
